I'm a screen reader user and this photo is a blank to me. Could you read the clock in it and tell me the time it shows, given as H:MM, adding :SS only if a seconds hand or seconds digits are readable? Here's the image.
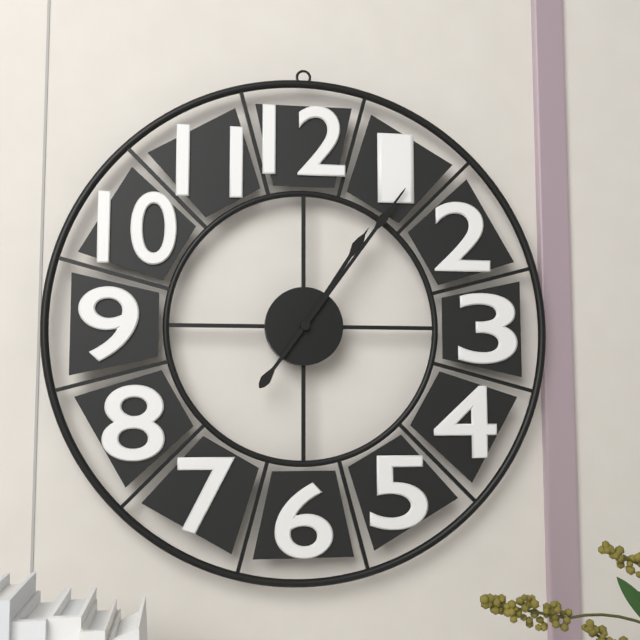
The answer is 1:06
